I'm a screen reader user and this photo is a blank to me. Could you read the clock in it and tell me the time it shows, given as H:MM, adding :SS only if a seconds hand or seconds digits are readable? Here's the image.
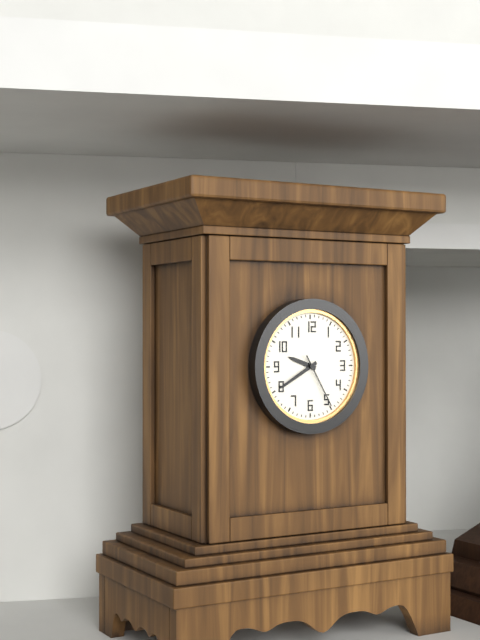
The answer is 9:40:25
